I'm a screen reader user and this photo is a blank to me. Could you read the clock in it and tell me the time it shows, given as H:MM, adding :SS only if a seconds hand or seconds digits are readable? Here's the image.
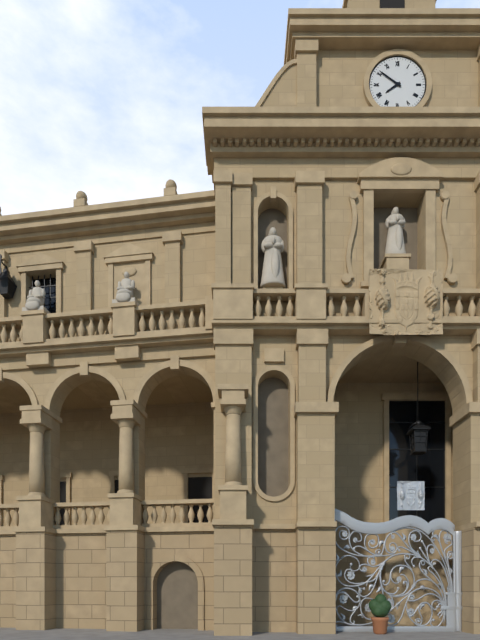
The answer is 7:51
